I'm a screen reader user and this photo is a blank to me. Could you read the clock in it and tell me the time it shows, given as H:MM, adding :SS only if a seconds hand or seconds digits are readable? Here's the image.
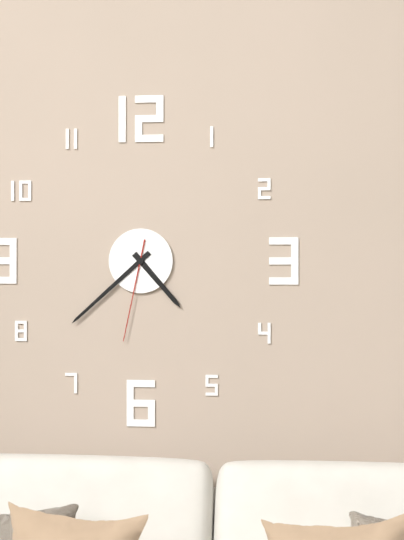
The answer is 4:38:32
